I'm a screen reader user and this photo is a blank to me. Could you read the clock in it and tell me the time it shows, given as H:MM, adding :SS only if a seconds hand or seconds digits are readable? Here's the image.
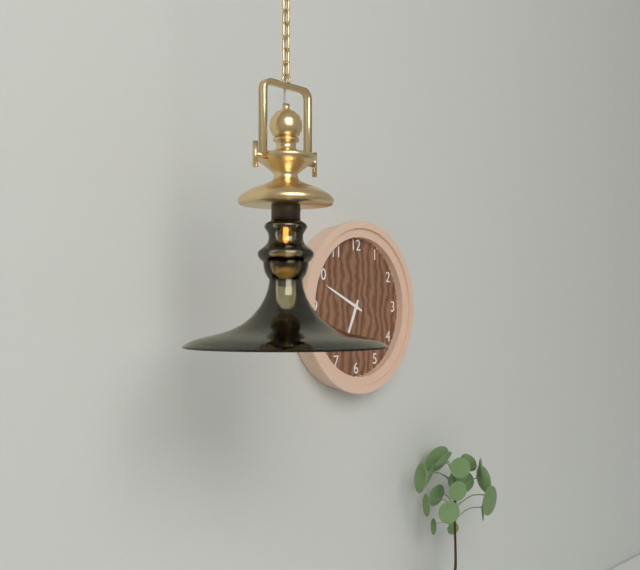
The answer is 6:49
